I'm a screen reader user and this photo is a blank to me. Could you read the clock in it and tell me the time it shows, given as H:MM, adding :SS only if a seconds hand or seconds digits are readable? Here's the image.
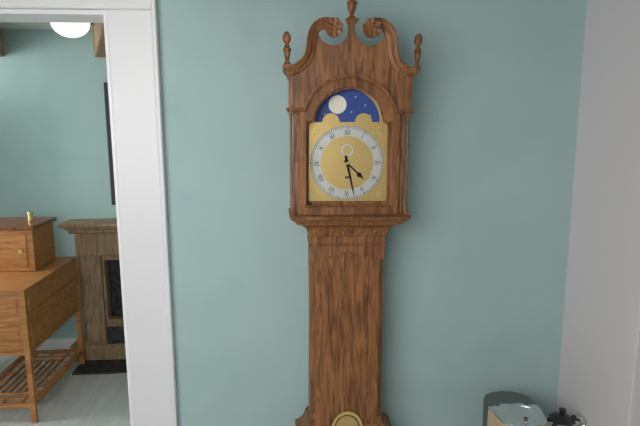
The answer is 4:28
